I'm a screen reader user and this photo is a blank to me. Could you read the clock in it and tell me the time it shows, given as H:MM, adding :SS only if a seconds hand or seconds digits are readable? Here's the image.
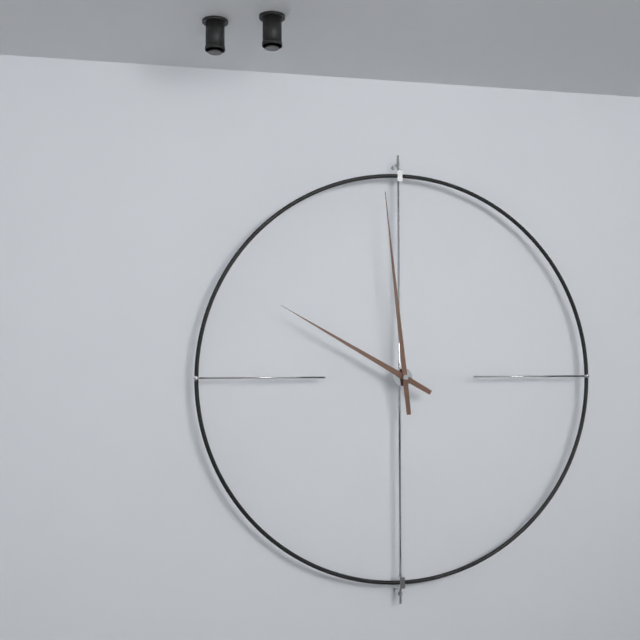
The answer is 9:59
